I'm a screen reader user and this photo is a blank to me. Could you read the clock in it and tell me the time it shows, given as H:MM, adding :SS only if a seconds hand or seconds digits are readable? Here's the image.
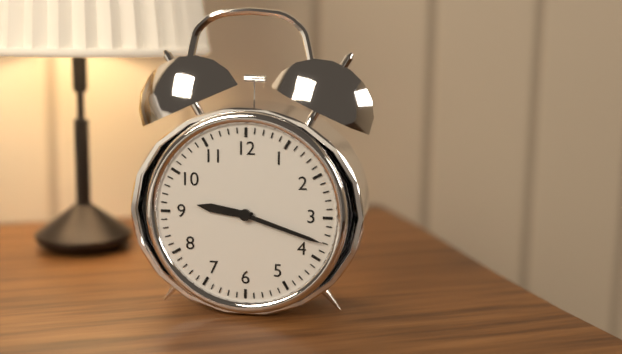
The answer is 9:18
